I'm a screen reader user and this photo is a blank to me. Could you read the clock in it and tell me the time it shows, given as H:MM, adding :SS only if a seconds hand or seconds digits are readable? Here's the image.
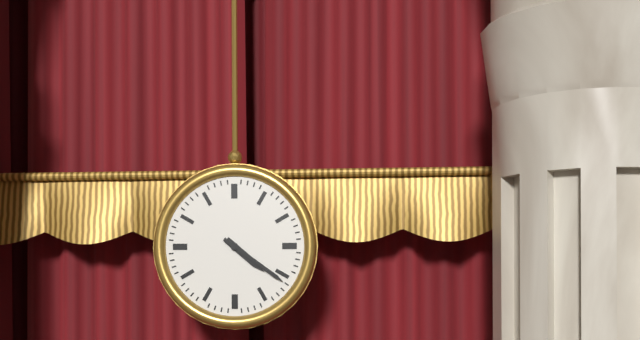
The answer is 4:21
